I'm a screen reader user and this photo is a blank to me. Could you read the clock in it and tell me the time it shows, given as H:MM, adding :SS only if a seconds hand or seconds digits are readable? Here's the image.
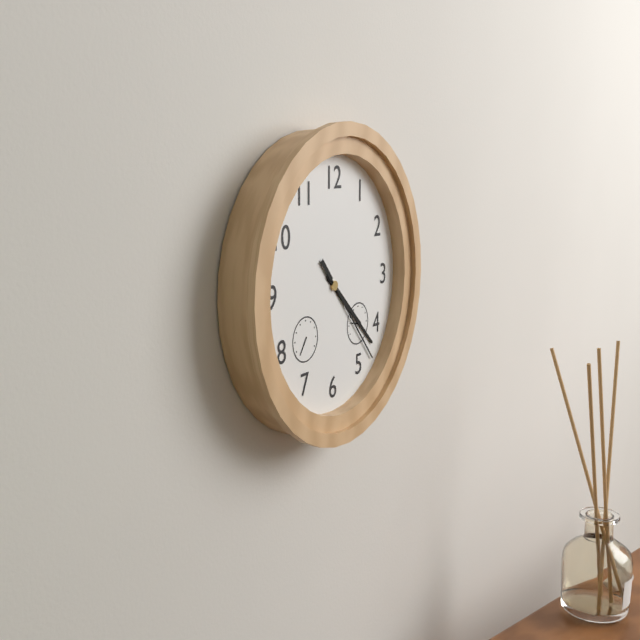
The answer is 4:22:23
